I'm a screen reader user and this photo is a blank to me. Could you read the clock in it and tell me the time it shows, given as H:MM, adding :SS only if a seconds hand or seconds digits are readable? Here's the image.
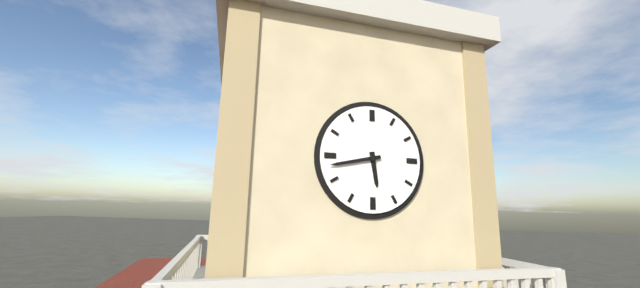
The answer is 5:43
